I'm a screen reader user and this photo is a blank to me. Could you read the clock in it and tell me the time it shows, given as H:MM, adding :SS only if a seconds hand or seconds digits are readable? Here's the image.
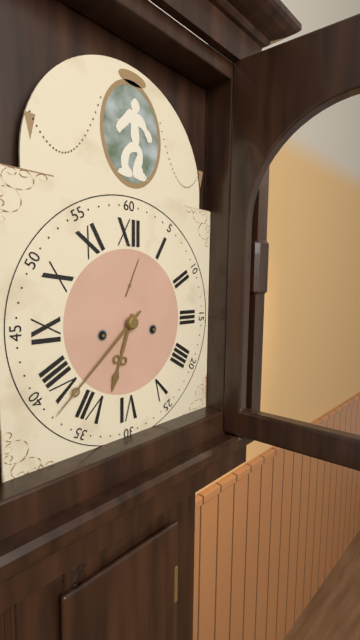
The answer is 6:38
